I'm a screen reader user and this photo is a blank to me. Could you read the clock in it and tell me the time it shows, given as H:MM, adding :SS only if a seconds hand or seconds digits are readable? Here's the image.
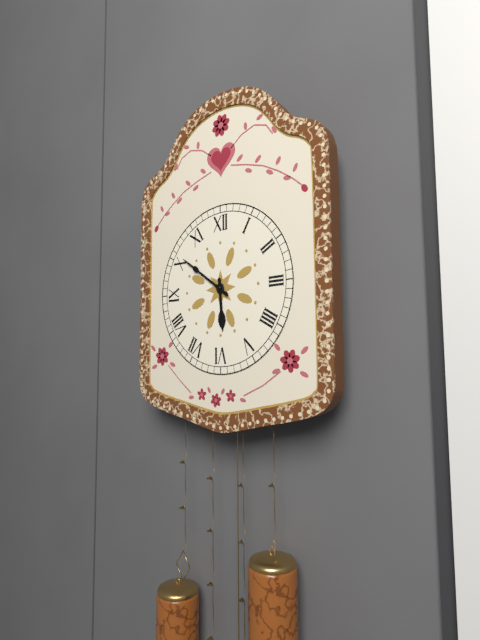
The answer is 5:51
